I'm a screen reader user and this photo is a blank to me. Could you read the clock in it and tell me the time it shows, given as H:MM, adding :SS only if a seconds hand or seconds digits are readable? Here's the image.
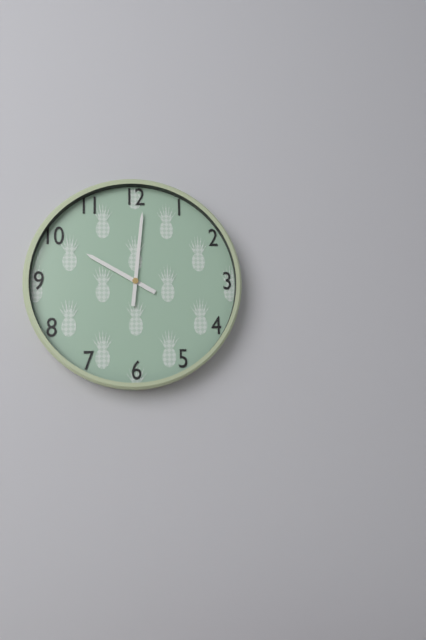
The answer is 10:01
